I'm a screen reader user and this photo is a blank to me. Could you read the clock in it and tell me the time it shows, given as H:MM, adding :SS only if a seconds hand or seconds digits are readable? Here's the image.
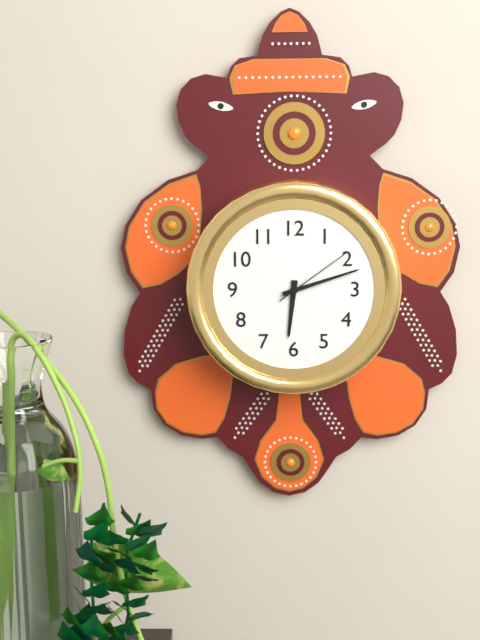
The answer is 6:12:09
